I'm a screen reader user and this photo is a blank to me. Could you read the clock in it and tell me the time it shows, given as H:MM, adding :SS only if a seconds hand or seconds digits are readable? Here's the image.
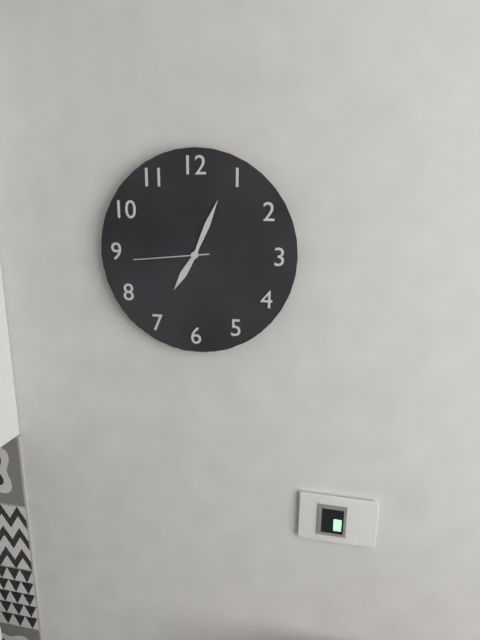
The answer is 7:04:44
